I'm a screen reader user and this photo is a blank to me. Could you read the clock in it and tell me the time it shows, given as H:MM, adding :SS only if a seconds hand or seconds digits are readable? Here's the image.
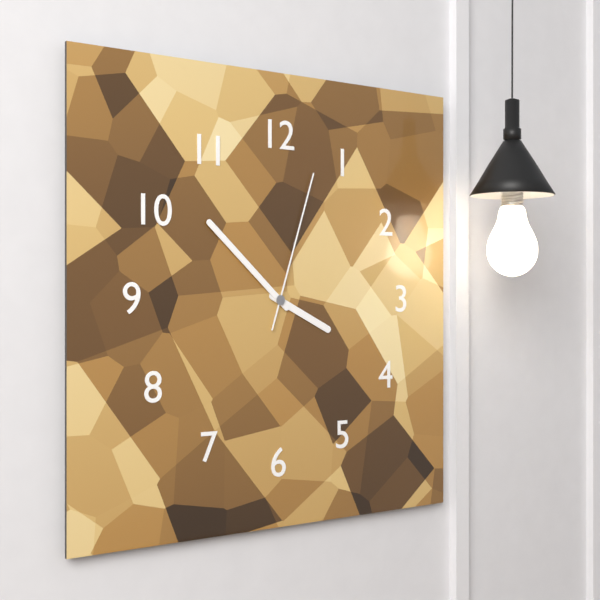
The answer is 3:52:03
